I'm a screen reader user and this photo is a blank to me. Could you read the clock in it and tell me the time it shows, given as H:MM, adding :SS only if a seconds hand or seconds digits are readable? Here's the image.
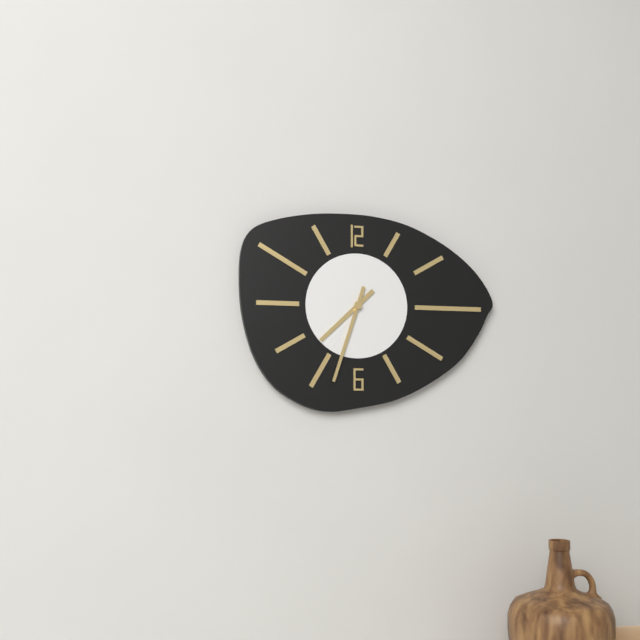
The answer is 7:33
